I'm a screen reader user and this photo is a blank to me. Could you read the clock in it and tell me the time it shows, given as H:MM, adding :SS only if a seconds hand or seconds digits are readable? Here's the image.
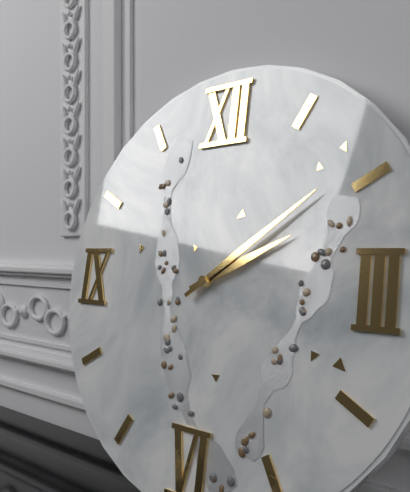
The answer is 2:09
